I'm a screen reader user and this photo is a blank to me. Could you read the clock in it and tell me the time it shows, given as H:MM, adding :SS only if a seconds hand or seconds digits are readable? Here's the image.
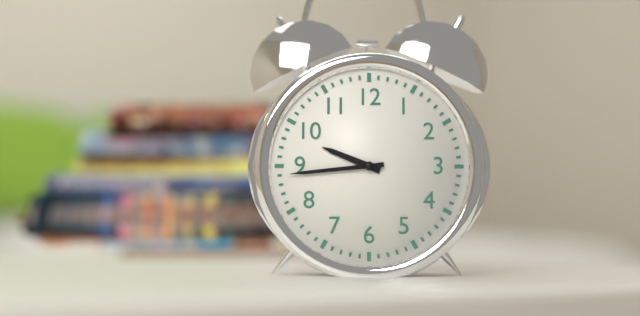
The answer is 9:44
